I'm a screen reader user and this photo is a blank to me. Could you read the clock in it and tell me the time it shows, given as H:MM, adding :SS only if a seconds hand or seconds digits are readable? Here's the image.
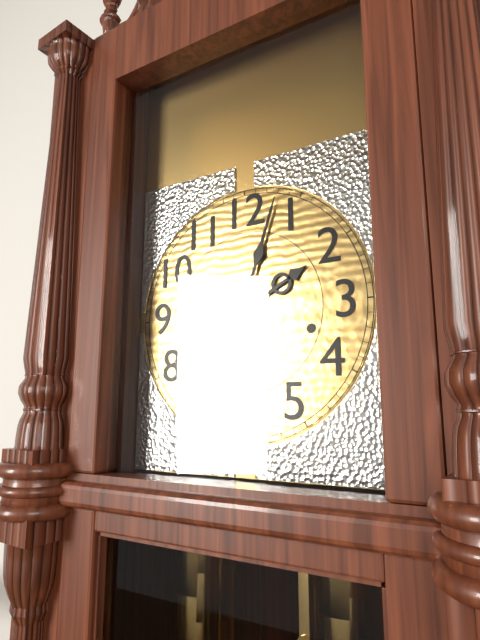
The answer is 2:03
